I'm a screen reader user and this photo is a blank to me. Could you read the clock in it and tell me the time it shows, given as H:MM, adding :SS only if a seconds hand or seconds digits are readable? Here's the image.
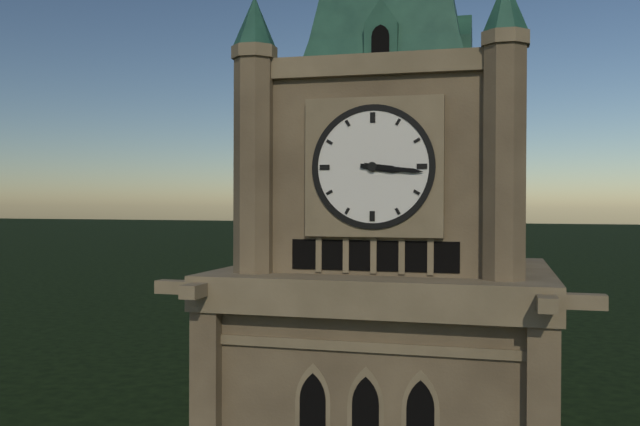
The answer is 3:16
